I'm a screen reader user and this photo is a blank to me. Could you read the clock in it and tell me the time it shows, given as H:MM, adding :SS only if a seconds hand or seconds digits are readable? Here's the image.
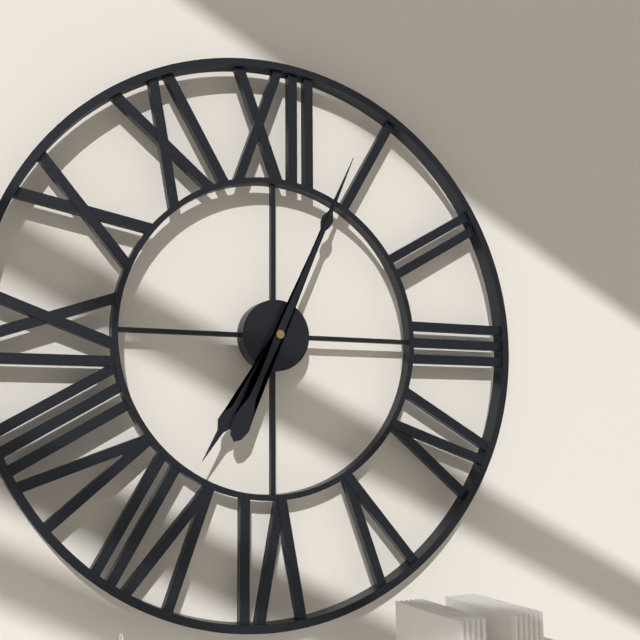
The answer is 7:04
